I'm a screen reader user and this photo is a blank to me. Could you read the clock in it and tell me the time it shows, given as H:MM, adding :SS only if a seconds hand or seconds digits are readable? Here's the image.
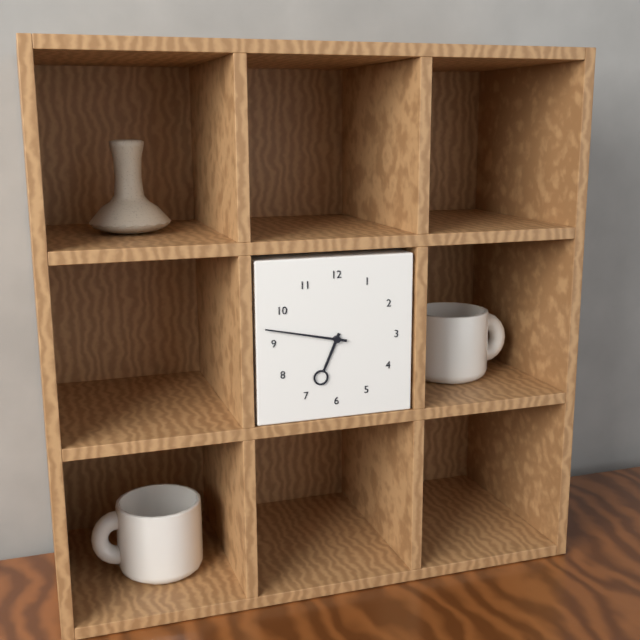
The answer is 6:47
